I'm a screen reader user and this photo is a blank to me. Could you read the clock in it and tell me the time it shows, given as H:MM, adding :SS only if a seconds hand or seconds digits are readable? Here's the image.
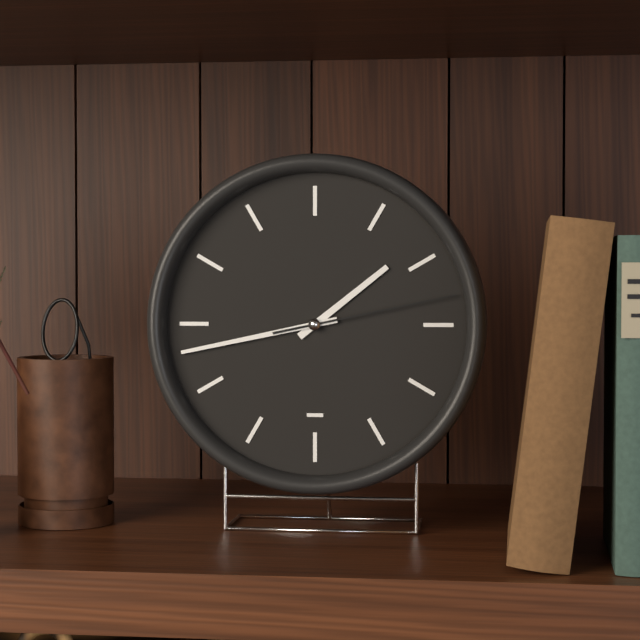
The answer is 1:43:13
